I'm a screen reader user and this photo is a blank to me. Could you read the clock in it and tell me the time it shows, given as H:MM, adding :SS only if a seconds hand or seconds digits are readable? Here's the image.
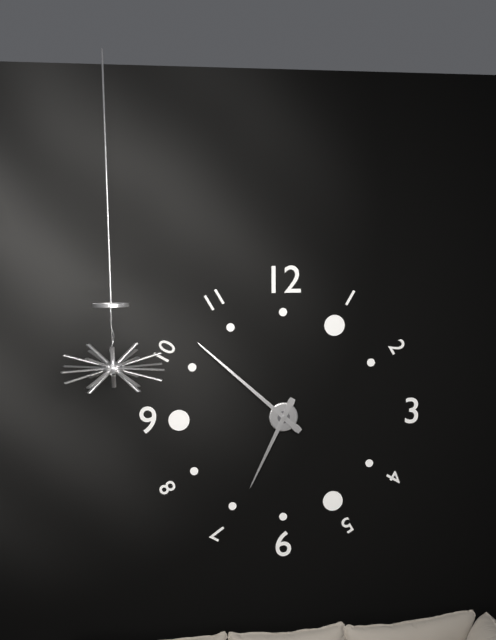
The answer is 6:52
